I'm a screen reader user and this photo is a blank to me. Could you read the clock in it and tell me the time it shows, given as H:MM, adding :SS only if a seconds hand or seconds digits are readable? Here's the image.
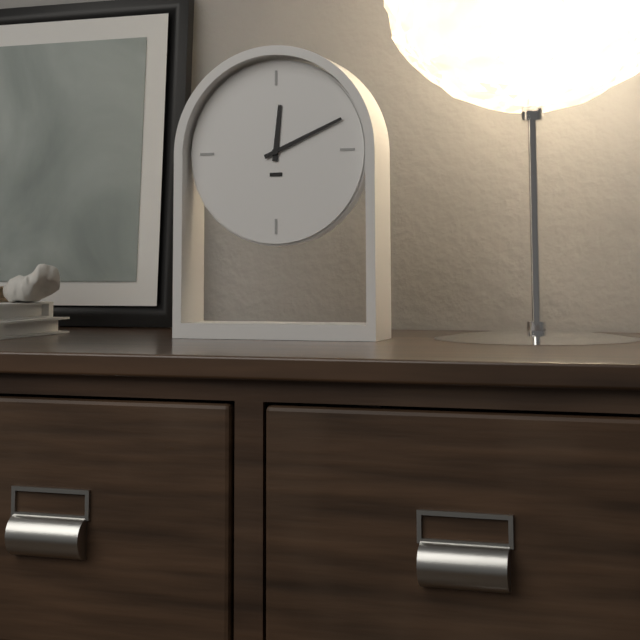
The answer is 12:11
